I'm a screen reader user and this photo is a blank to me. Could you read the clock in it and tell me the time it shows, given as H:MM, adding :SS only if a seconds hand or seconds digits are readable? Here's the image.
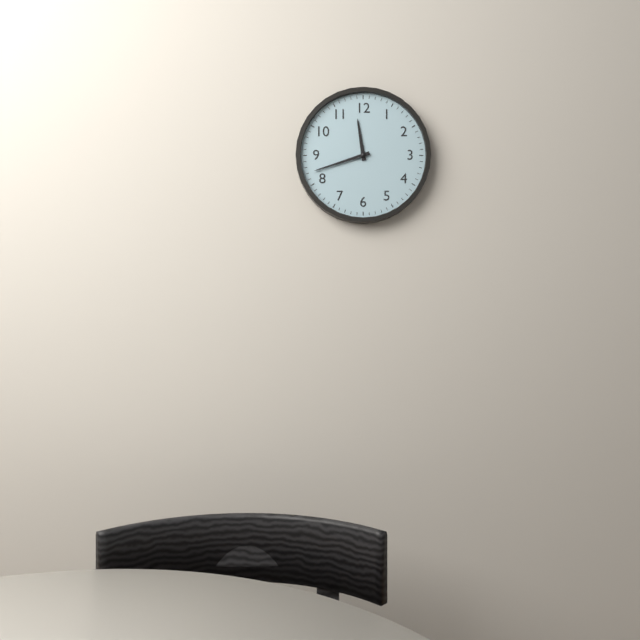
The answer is 11:42
